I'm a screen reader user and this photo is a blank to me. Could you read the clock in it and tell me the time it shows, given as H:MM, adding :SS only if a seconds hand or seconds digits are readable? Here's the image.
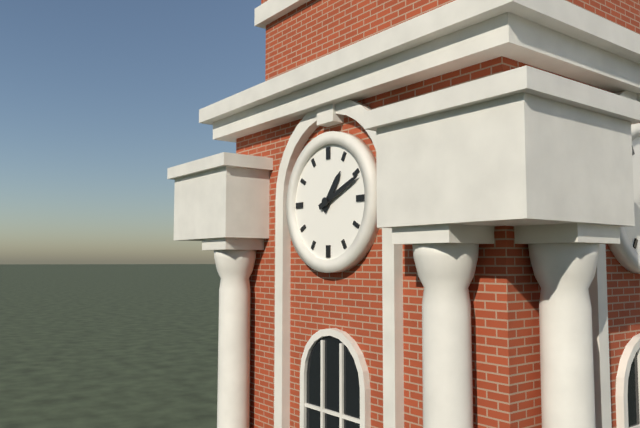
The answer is 1:11
